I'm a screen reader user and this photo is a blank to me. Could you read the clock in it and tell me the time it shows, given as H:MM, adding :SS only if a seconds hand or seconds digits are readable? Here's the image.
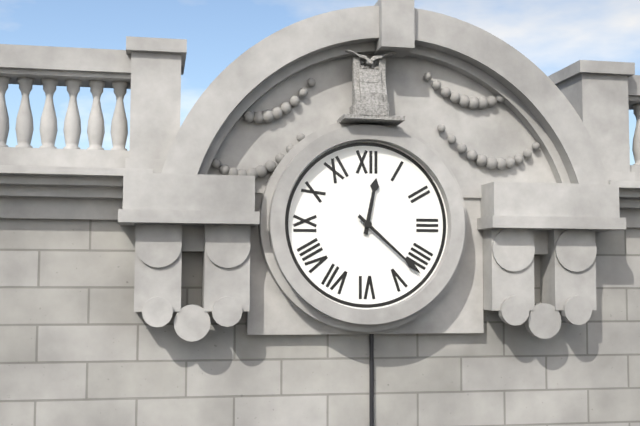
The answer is 12:22
